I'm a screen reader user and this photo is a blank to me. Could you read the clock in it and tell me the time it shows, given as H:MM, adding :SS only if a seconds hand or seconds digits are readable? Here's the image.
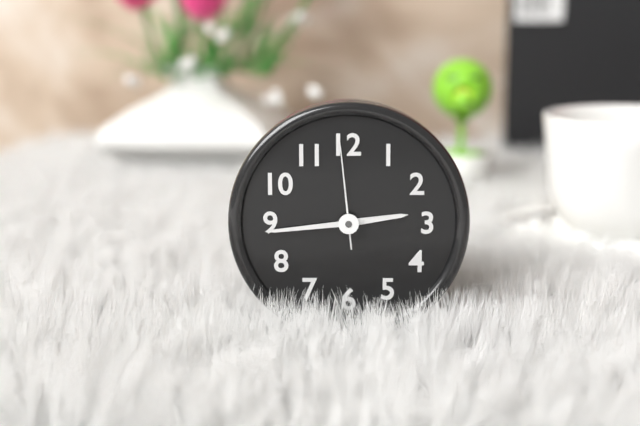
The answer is 2:44:59
